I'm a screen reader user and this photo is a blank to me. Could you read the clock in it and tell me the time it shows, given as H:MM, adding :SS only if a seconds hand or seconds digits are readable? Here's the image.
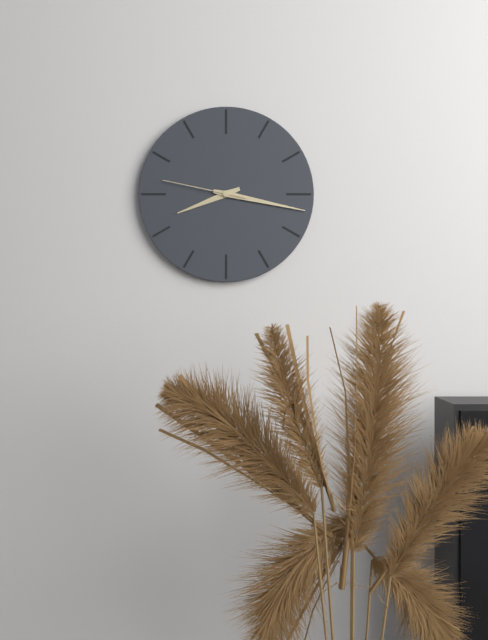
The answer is 8:17:47
